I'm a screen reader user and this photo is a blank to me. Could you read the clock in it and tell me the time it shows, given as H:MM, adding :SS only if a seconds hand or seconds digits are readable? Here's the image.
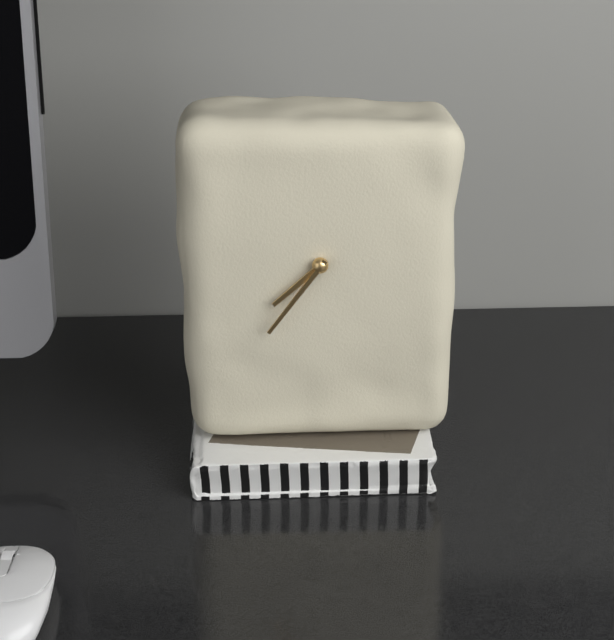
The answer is 7:36
